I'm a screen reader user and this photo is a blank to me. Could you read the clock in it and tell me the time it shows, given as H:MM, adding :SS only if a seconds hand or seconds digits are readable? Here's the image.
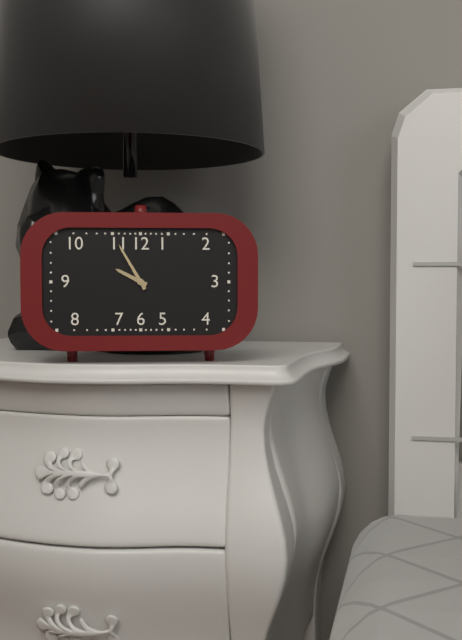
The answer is 9:55
